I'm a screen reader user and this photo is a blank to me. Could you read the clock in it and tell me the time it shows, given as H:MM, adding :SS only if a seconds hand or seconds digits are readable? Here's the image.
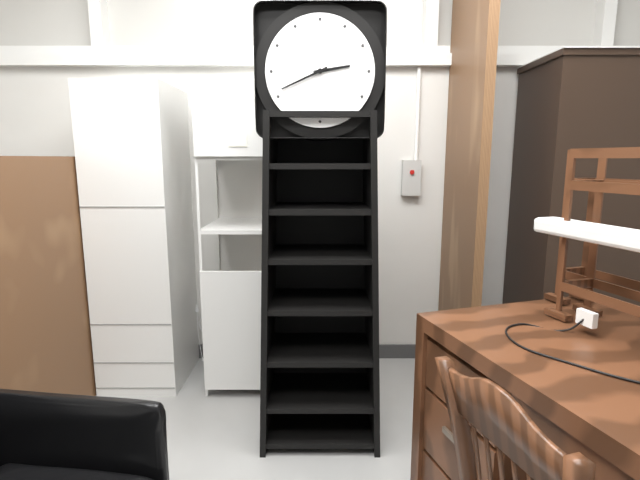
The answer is 2:41
